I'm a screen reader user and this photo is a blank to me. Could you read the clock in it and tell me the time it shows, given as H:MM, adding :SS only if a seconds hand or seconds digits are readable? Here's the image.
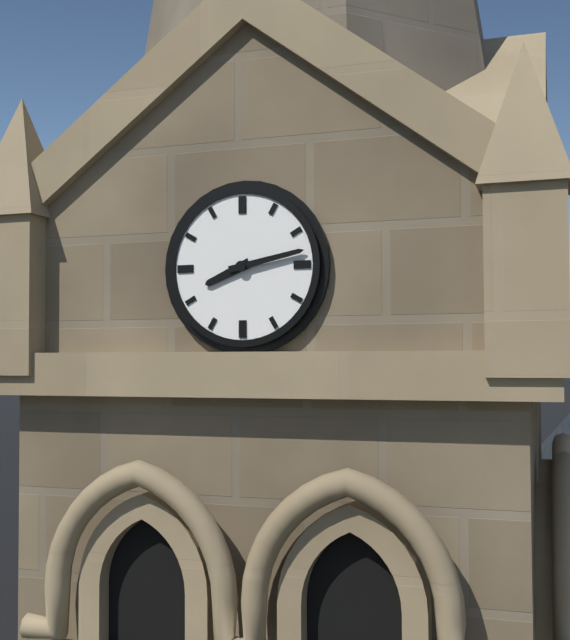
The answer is 8:13
